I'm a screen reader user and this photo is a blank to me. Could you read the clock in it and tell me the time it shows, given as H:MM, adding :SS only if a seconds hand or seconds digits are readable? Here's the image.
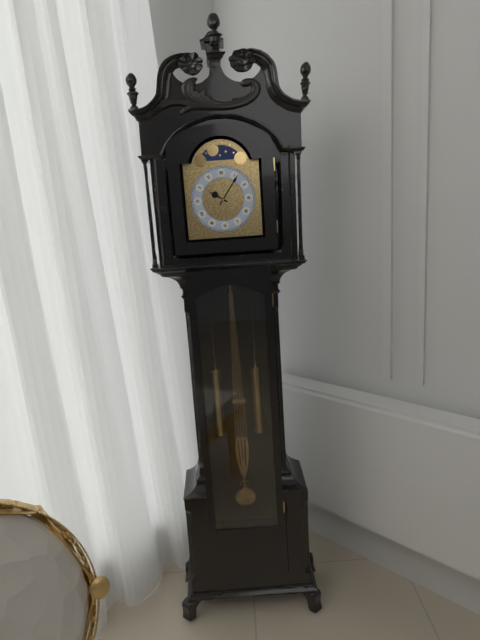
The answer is 10:06
